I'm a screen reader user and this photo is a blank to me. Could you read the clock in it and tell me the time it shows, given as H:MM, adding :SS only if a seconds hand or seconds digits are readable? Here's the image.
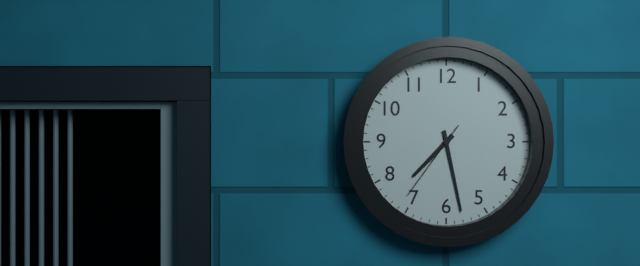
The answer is 7:28:36
